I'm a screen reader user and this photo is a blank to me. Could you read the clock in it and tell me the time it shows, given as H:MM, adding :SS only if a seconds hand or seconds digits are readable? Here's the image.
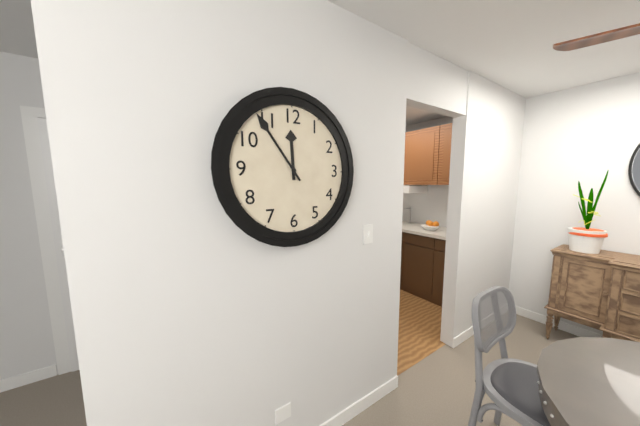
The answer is 11:54
